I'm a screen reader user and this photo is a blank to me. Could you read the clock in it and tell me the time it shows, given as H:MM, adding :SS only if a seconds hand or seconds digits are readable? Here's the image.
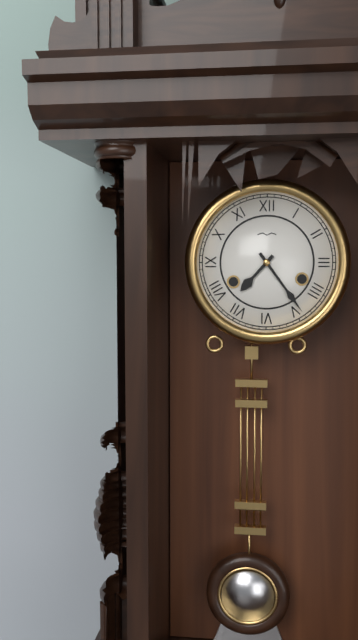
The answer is 7:24
